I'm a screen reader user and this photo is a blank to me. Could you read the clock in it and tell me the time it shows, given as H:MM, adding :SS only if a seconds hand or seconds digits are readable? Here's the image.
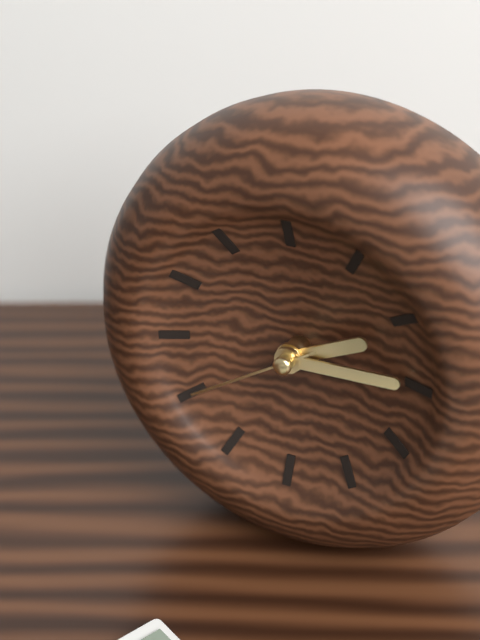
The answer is 2:15:40
